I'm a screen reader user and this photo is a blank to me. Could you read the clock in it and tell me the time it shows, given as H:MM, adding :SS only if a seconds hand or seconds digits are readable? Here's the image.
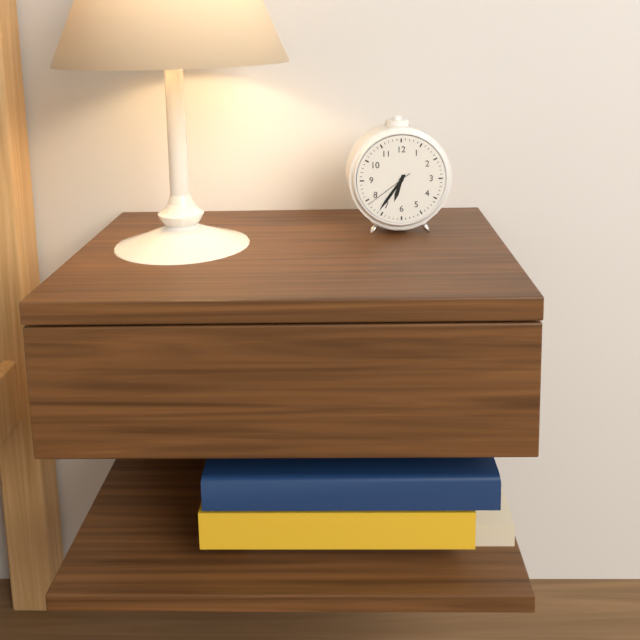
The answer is 6:36:39
